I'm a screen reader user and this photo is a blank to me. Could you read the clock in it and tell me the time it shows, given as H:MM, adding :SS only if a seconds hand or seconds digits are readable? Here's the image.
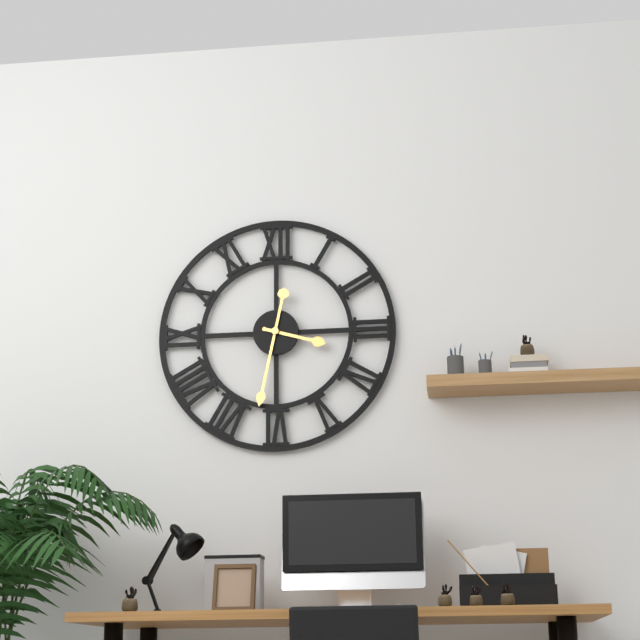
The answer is 3:32
